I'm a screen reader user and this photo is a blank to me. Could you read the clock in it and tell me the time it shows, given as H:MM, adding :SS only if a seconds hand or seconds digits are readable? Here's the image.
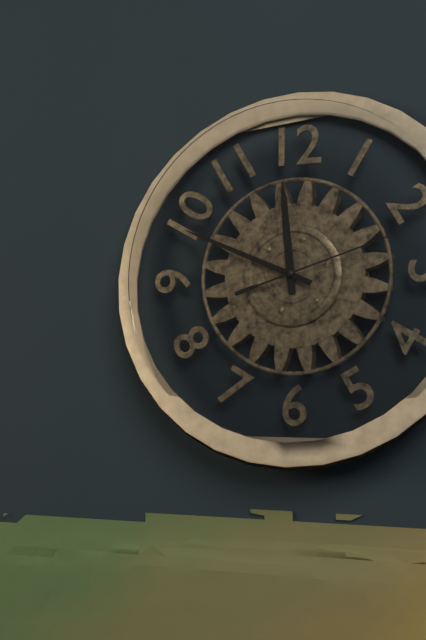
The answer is 11:49:12
